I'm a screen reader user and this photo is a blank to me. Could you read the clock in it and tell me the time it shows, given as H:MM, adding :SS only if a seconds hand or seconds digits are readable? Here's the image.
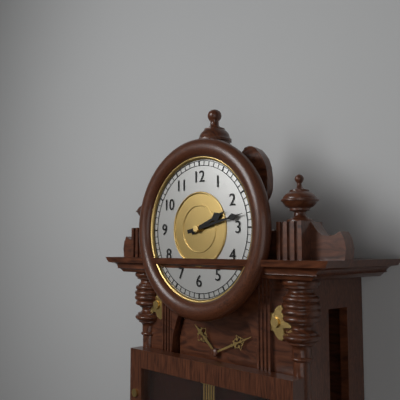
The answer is 2:13
